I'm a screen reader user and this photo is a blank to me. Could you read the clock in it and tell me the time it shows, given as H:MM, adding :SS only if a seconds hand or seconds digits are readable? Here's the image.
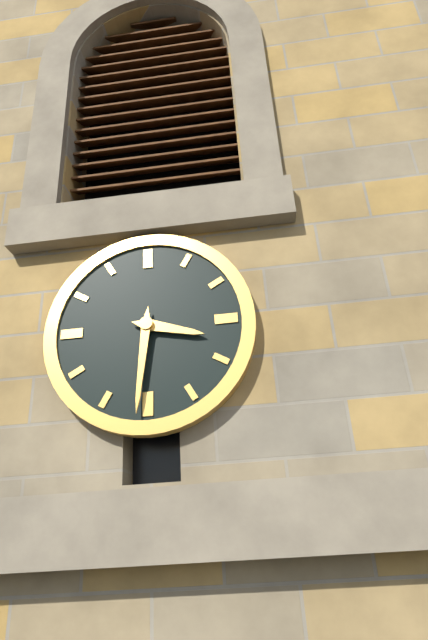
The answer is 3:31
